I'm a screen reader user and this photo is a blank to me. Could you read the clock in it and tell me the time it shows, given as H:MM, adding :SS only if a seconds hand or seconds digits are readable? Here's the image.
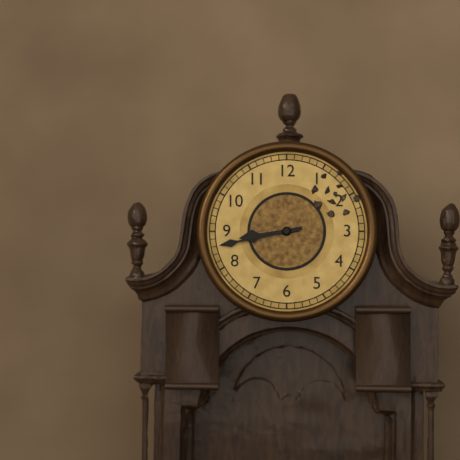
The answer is 8:43
